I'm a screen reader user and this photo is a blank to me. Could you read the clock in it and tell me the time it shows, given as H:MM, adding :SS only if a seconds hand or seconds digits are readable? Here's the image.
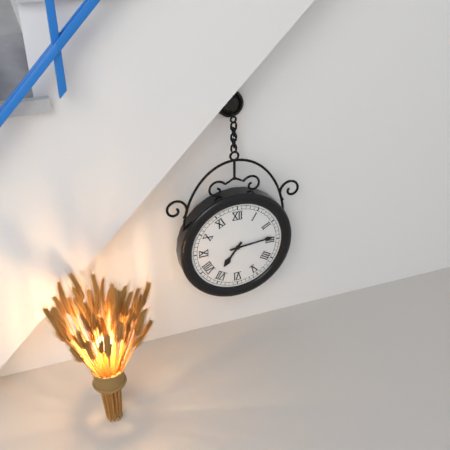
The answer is 7:14
